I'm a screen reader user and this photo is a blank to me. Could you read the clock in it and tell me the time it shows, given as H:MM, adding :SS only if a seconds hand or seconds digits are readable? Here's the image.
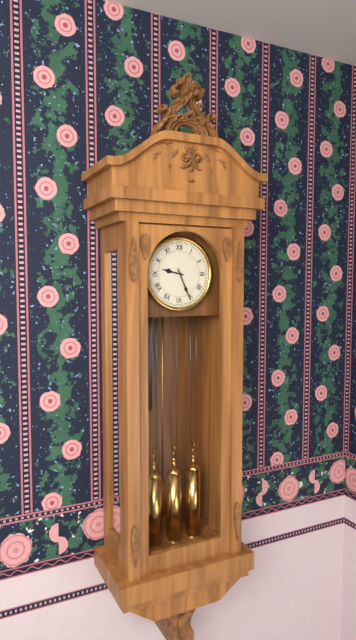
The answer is 9:26
